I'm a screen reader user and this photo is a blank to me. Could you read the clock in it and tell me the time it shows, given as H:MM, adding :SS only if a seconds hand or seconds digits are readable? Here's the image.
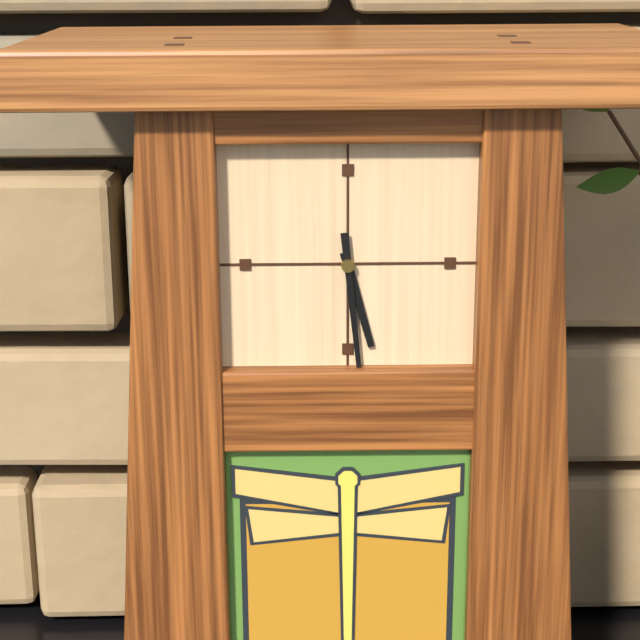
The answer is 5:29
